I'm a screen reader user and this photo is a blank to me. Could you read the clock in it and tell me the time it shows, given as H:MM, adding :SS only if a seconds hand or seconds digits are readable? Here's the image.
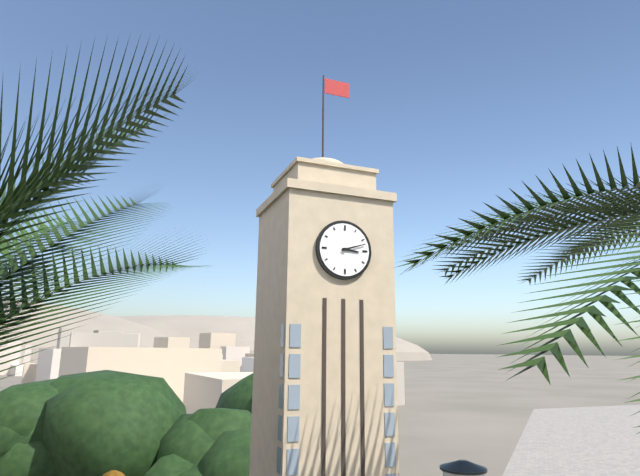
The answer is 3:12
